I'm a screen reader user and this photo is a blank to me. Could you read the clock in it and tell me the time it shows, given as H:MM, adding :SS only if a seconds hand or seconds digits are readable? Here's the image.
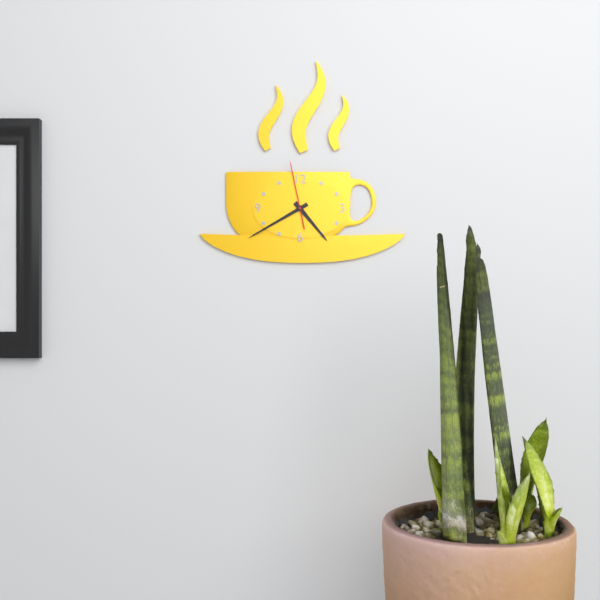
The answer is 4:40:58
